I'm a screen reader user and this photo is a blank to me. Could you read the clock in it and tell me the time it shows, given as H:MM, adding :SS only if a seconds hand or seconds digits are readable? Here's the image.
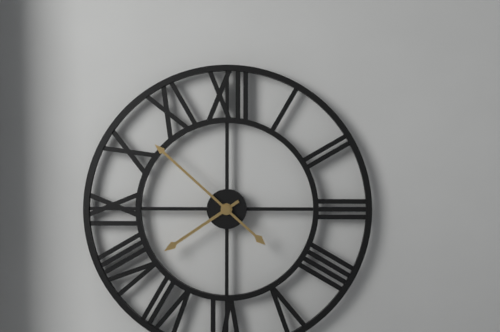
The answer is 7:52
